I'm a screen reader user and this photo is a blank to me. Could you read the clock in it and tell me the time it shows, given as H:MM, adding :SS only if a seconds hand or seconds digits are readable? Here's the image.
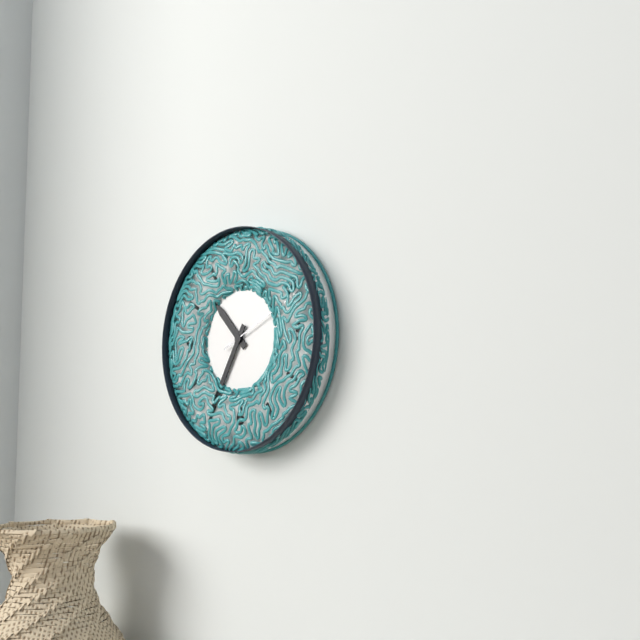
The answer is 10:35:11
